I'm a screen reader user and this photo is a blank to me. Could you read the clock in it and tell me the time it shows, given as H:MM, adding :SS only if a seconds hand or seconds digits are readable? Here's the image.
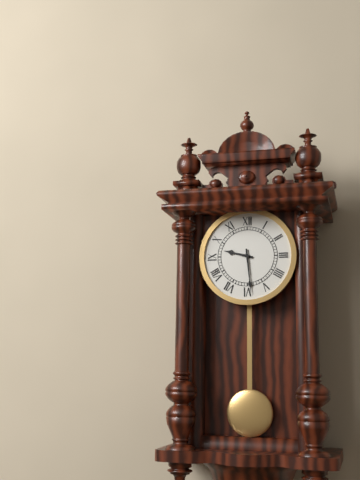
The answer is 9:29
